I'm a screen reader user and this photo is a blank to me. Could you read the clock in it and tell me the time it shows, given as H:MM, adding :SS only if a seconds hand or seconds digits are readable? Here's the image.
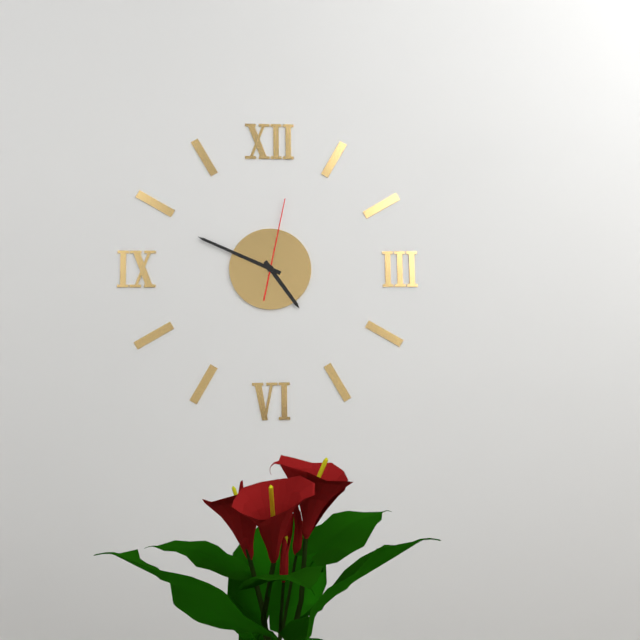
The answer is 4:49:02
